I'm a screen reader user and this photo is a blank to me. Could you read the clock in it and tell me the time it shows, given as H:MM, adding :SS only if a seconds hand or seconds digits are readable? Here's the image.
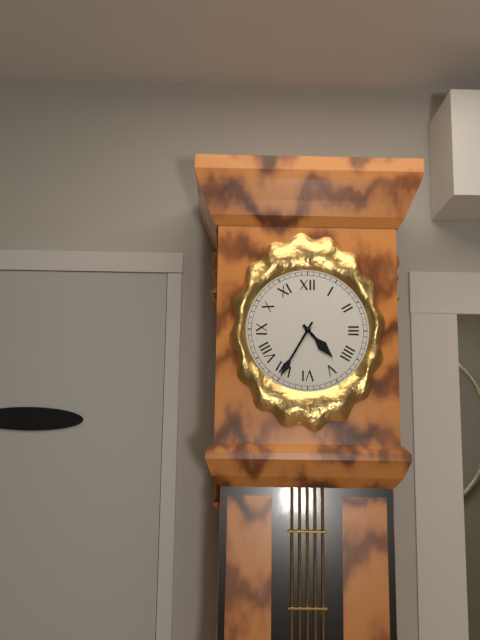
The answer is 4:35
